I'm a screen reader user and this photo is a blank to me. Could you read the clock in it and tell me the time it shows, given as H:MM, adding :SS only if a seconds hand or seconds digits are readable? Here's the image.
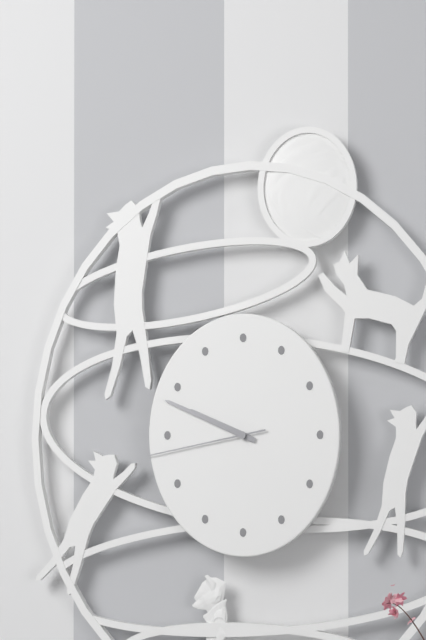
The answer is 9:49:43
